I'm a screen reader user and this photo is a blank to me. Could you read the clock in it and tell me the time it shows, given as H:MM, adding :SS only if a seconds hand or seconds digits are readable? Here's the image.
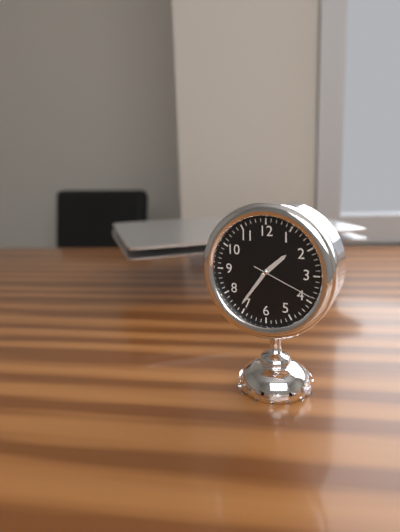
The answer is 1:36:19
